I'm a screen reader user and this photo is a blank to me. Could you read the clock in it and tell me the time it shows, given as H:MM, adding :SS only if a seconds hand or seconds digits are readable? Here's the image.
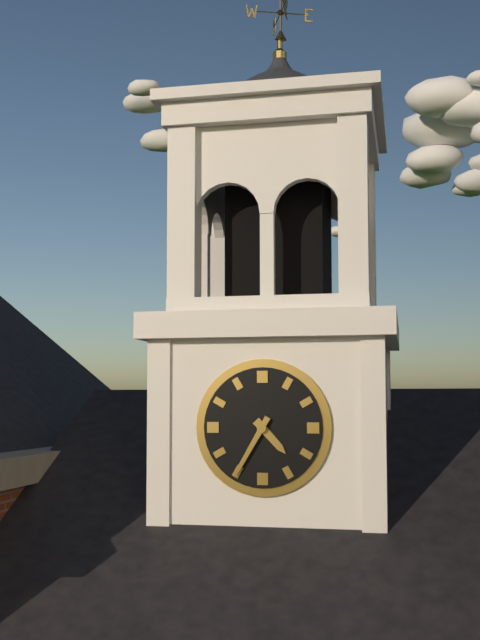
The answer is 4:35
